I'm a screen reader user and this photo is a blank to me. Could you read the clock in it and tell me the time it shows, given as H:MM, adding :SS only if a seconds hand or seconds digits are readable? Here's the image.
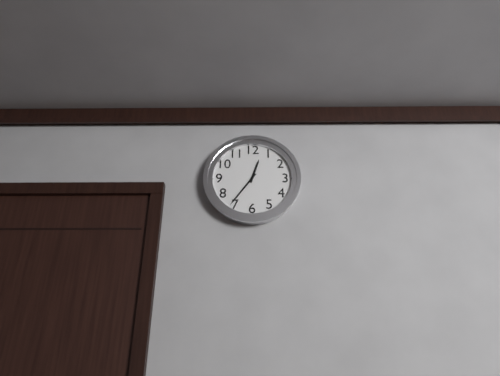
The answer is 12:36
